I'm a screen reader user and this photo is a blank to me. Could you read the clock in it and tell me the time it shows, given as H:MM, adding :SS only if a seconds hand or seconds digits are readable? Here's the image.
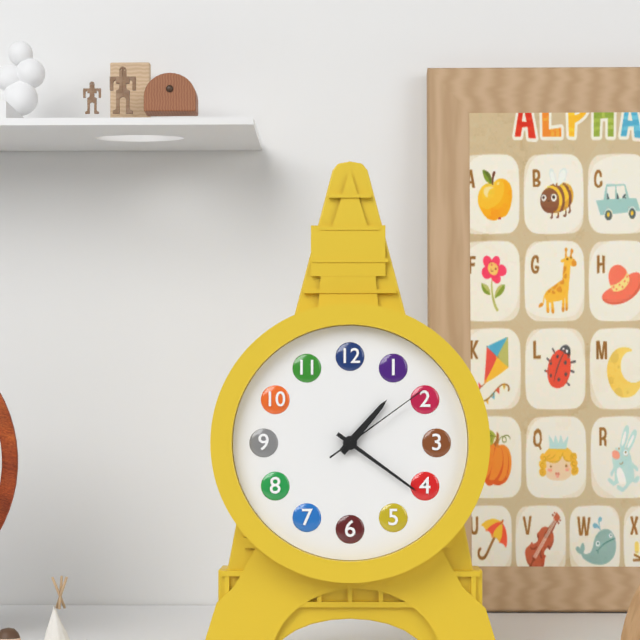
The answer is 1:21:09
